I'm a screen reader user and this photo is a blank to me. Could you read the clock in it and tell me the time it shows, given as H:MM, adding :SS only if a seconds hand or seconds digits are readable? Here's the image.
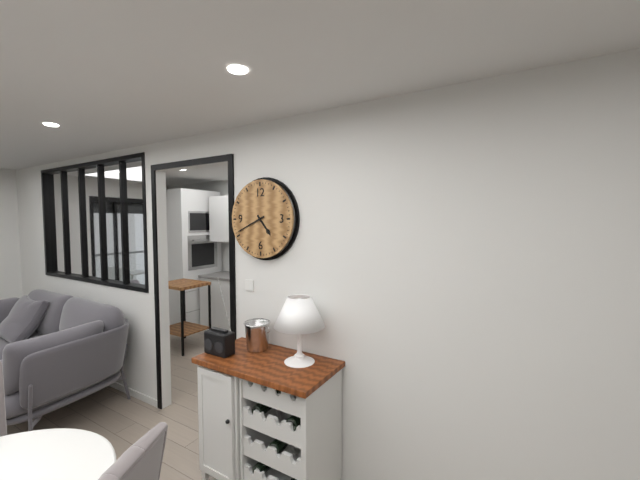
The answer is 4:41
